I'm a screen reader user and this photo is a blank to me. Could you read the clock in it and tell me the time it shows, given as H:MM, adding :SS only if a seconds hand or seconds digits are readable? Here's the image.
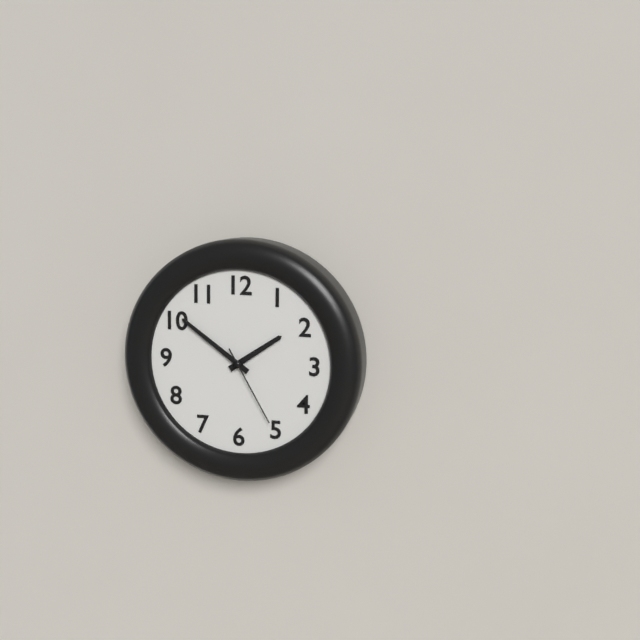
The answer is 1:51:25
